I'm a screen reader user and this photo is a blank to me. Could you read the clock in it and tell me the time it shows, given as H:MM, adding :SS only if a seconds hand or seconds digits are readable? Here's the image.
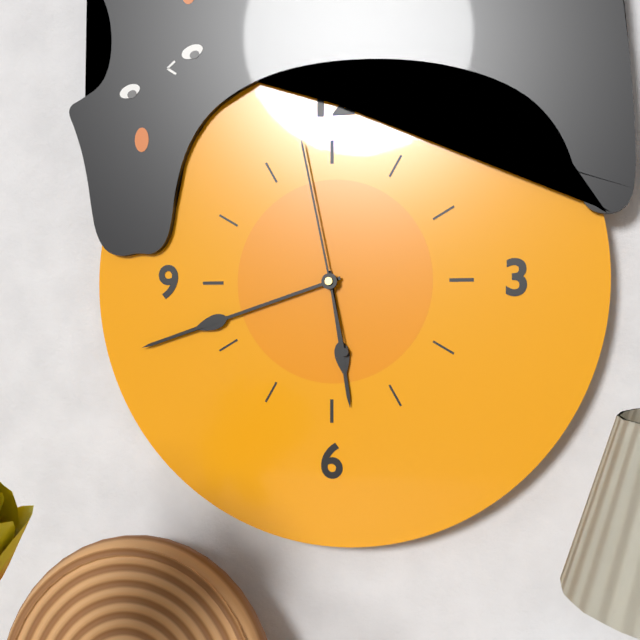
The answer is 5:42:58
